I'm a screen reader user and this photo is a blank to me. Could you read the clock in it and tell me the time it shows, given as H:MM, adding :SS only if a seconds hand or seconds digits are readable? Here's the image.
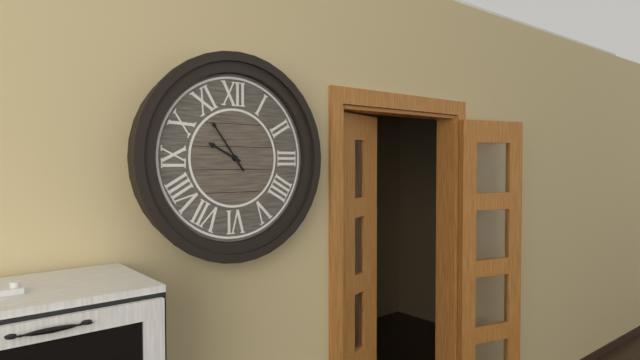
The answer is 9:54
